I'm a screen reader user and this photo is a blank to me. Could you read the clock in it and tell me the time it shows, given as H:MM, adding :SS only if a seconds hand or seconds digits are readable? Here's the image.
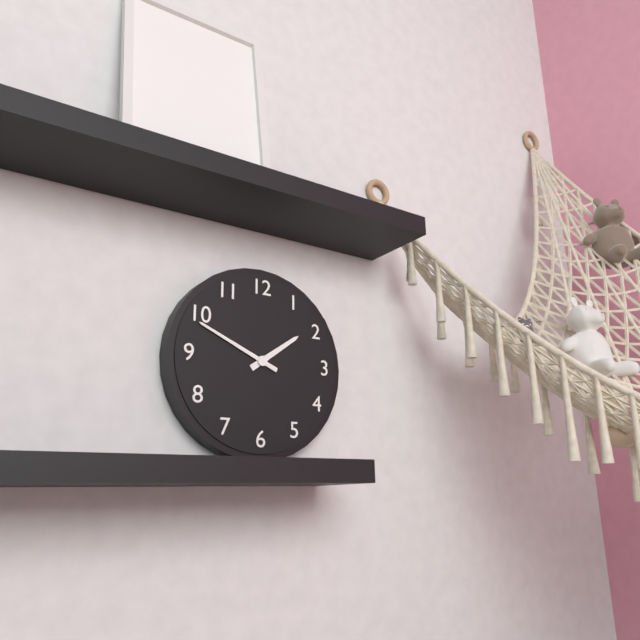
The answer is 1:49
